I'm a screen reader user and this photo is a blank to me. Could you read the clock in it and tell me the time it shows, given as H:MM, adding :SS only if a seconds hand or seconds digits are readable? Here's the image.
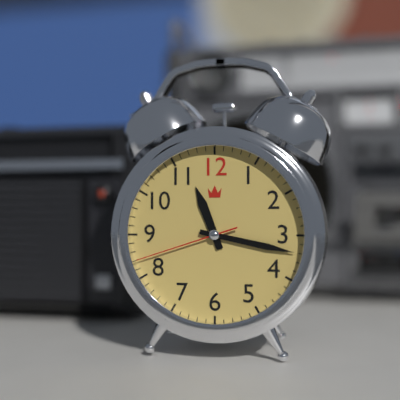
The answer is 11:17:42
